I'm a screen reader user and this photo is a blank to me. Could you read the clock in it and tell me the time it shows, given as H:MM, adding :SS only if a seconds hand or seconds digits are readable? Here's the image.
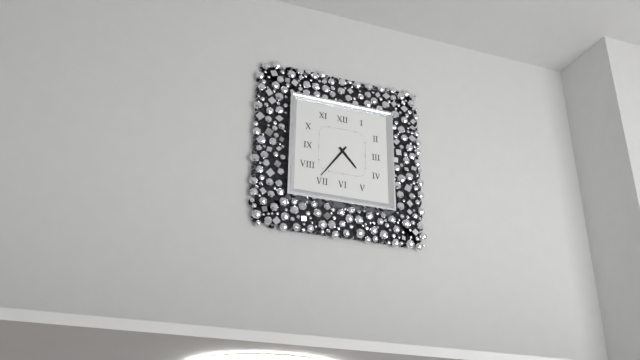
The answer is 4:36
